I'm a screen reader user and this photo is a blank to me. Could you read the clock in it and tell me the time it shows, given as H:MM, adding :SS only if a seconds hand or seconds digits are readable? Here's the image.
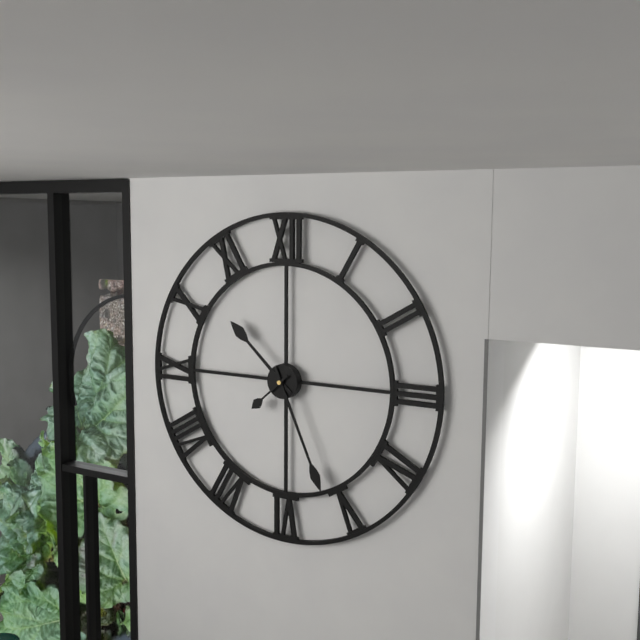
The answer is 10:26:38
